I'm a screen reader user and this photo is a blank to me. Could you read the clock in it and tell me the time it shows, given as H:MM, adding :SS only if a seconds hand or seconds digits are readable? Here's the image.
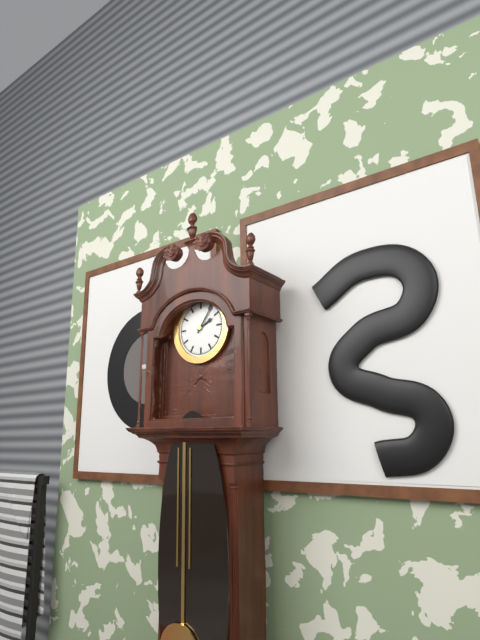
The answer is 2:06
